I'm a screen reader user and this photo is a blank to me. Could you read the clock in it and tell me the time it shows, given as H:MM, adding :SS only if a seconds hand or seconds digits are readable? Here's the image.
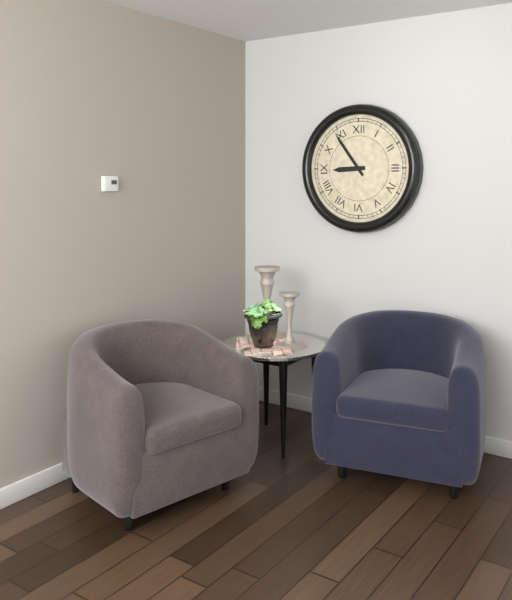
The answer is 8:54
